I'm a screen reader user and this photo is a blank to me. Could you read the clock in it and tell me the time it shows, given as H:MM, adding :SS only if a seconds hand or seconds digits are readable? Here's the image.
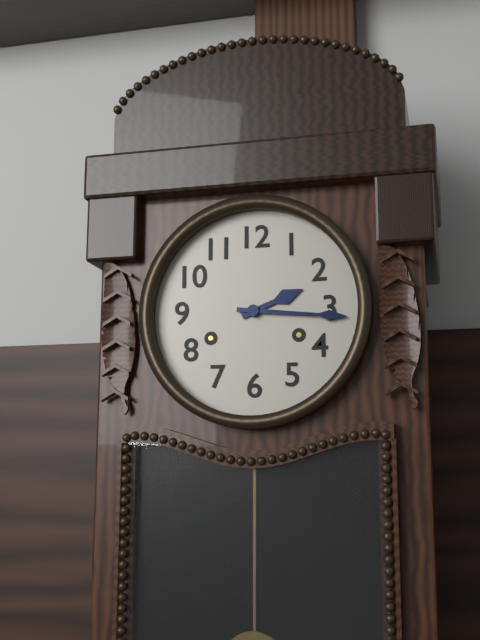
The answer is 2:16
